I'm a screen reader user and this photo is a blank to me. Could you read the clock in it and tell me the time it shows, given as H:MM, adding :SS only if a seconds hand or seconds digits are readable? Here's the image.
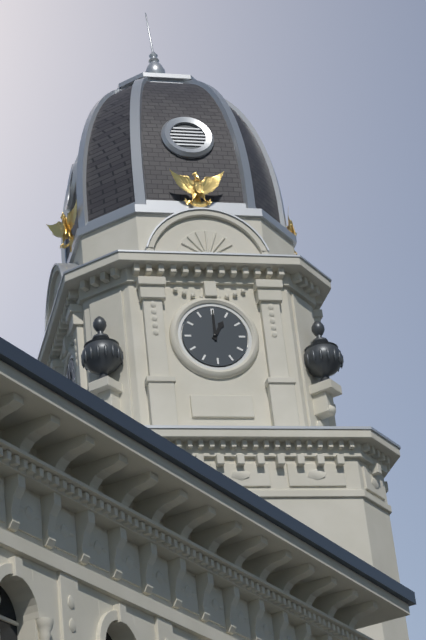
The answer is 1:00
